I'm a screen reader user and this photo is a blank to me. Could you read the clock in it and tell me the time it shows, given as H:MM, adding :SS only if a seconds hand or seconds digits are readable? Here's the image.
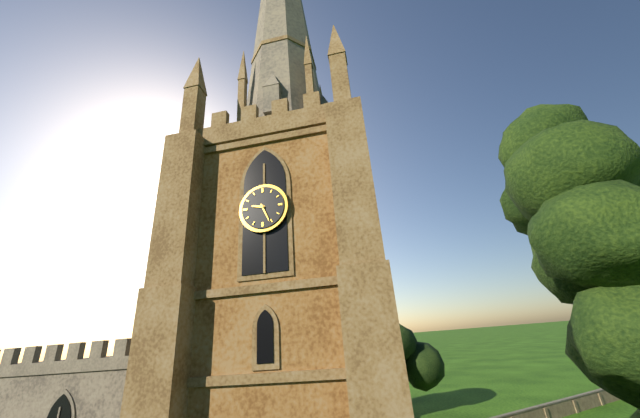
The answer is 9:26
